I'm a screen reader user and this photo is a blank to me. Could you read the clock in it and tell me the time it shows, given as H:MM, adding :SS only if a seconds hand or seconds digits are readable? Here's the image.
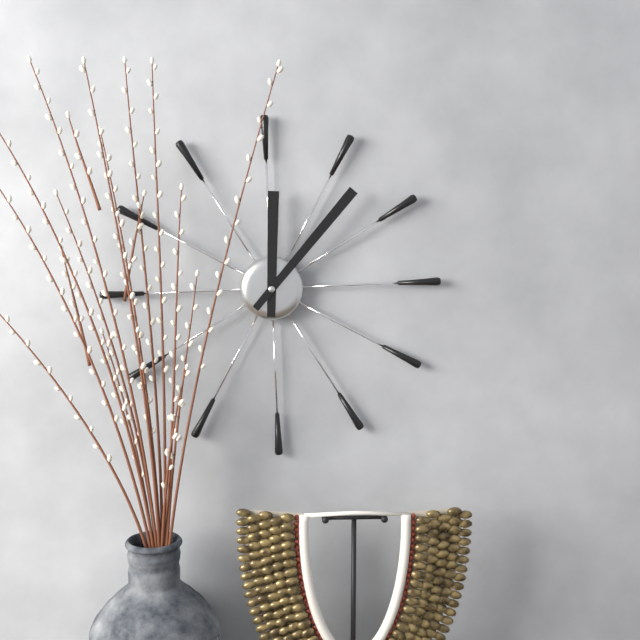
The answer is 12:07
